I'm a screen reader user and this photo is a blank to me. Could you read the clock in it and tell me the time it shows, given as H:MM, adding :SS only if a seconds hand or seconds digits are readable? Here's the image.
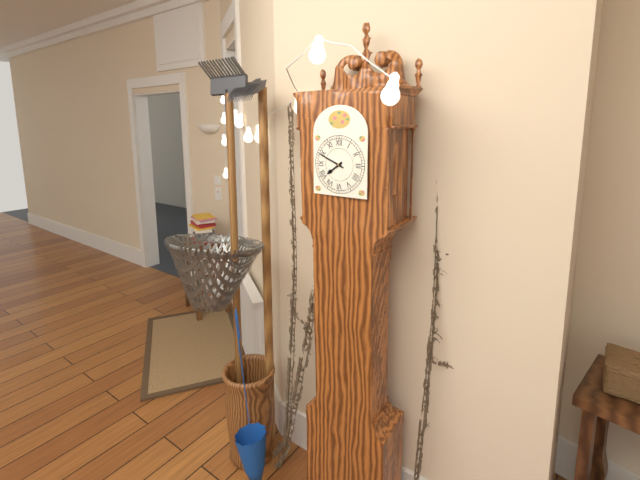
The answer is 7:49
